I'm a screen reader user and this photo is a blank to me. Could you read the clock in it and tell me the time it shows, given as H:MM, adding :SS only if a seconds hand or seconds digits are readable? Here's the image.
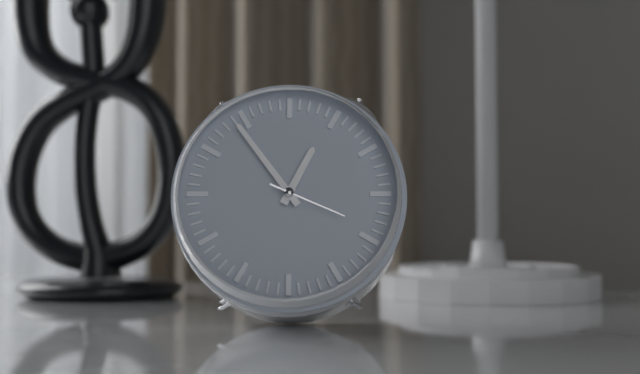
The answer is 12:54:19
